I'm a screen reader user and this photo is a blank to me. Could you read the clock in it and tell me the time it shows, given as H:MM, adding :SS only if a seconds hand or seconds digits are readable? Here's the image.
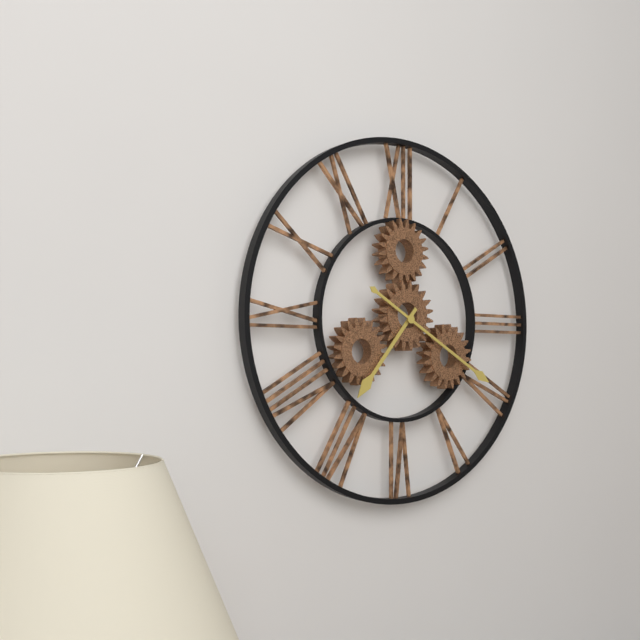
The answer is 7:20
